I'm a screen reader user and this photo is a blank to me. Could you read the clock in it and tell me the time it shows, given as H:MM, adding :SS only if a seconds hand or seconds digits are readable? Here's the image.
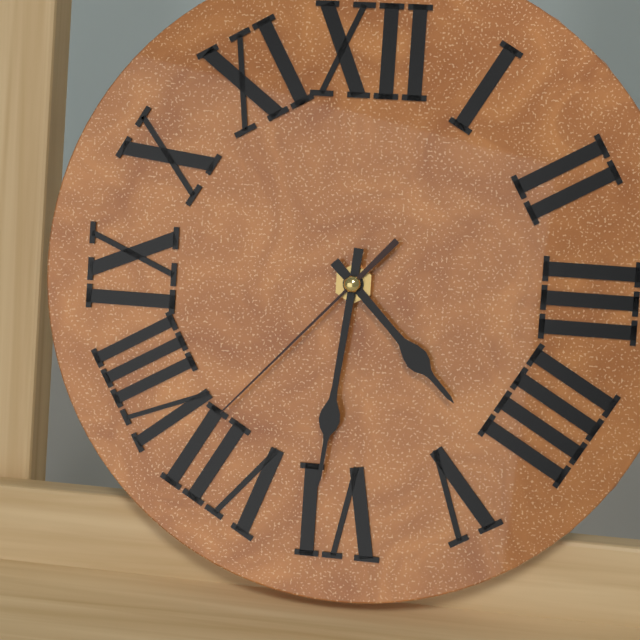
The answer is 4:31:37
